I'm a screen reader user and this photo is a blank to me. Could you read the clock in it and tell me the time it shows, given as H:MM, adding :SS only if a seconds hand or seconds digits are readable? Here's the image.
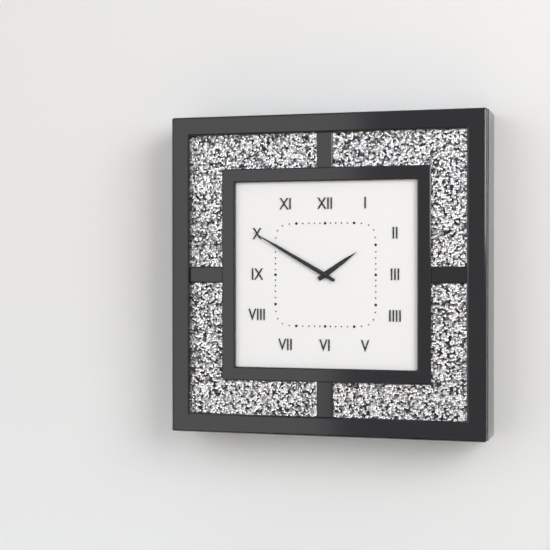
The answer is 1:50
